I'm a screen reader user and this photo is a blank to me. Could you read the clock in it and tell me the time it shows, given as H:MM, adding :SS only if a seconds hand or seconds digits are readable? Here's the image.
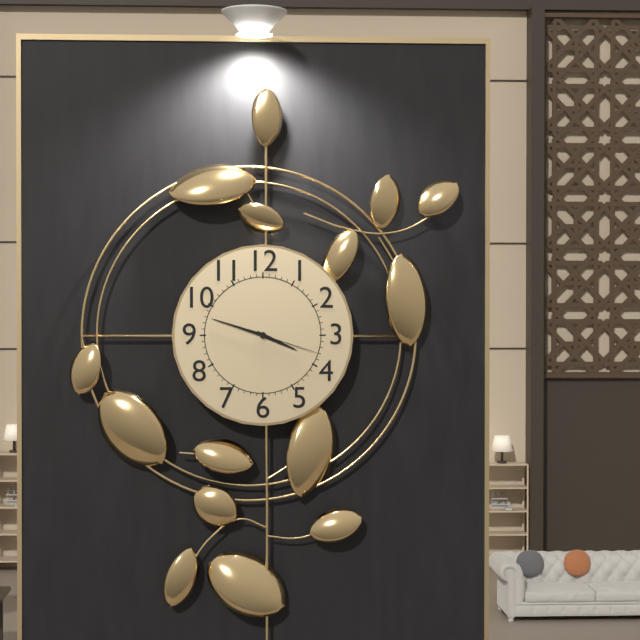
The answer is 3:48:18
